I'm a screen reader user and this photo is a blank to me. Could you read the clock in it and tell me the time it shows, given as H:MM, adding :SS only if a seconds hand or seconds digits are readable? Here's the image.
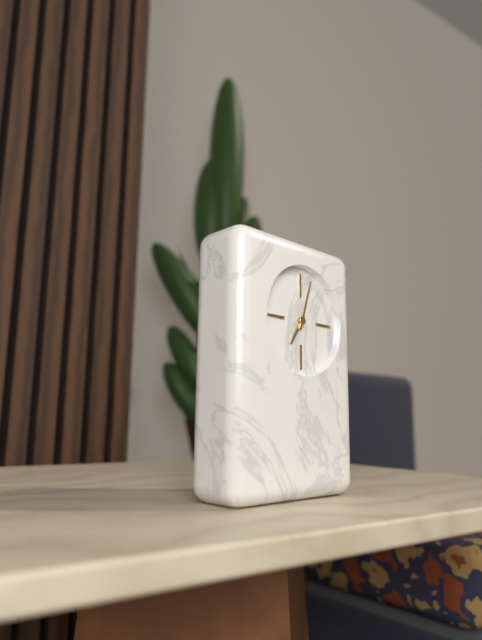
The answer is 7:03
